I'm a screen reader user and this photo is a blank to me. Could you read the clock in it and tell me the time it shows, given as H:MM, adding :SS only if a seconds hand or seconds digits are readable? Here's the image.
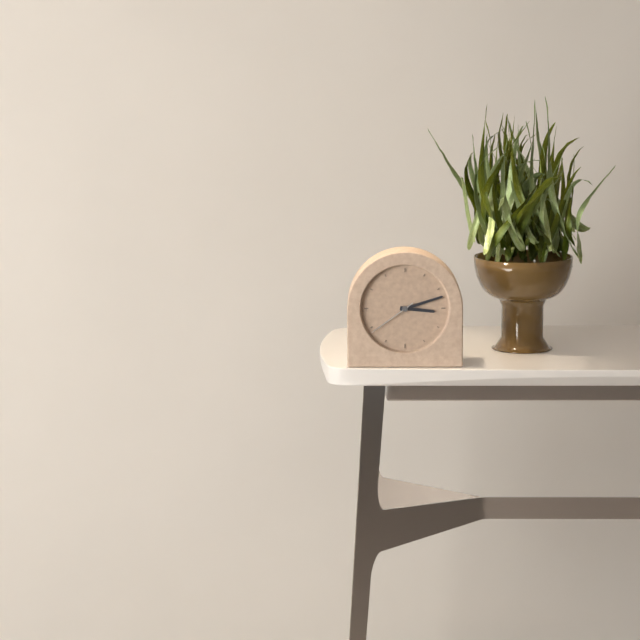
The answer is 3:12:39
